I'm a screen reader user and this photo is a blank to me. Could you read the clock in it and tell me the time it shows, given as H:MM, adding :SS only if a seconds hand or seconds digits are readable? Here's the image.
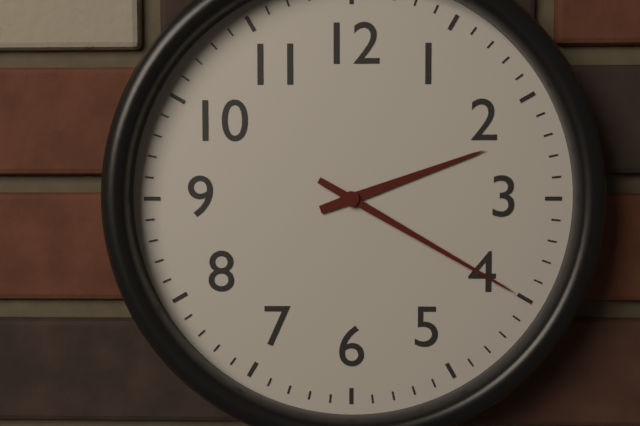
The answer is 2:20
